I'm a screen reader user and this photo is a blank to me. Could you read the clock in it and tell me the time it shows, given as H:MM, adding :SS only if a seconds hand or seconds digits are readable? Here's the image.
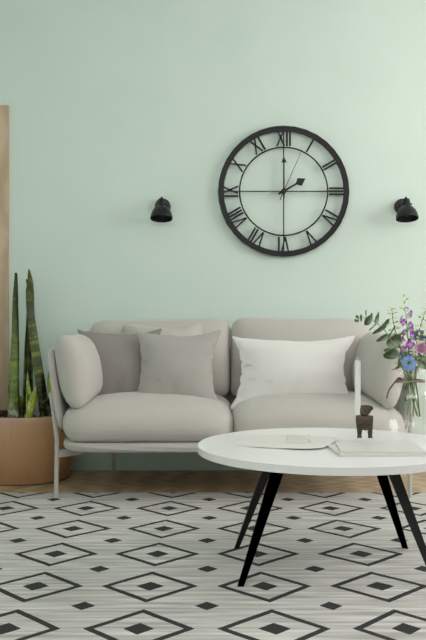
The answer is 2:00:04
